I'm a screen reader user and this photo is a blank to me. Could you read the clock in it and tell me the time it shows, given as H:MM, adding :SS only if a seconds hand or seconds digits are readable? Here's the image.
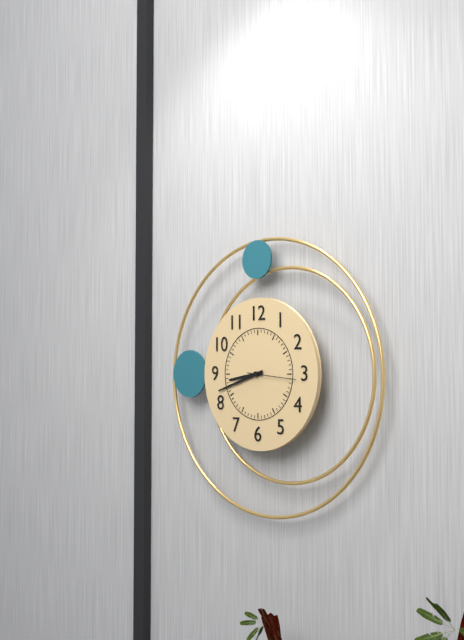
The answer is 8:42
